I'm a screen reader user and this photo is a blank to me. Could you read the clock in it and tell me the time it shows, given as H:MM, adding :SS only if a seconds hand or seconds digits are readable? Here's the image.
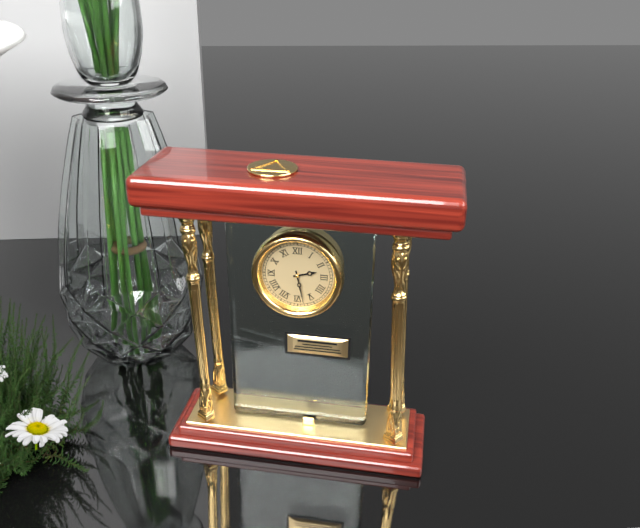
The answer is 2:28
